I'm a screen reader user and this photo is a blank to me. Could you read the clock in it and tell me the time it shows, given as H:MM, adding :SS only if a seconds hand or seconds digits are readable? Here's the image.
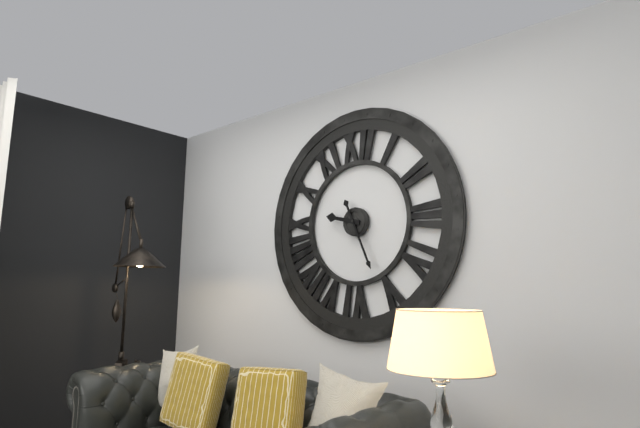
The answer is 9:26
